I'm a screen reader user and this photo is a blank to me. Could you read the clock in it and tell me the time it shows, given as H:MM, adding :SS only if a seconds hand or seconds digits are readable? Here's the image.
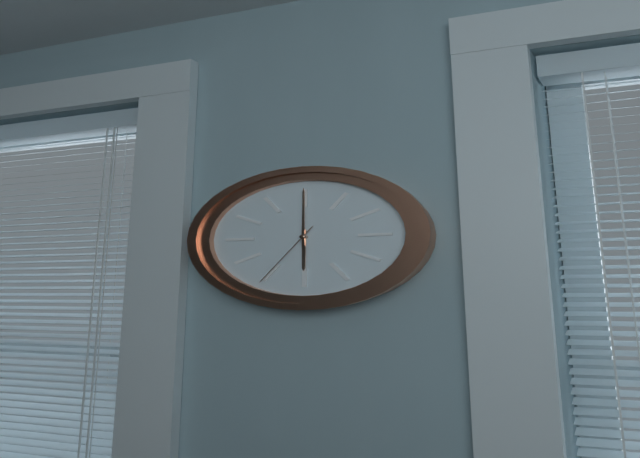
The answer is 6:00:35
